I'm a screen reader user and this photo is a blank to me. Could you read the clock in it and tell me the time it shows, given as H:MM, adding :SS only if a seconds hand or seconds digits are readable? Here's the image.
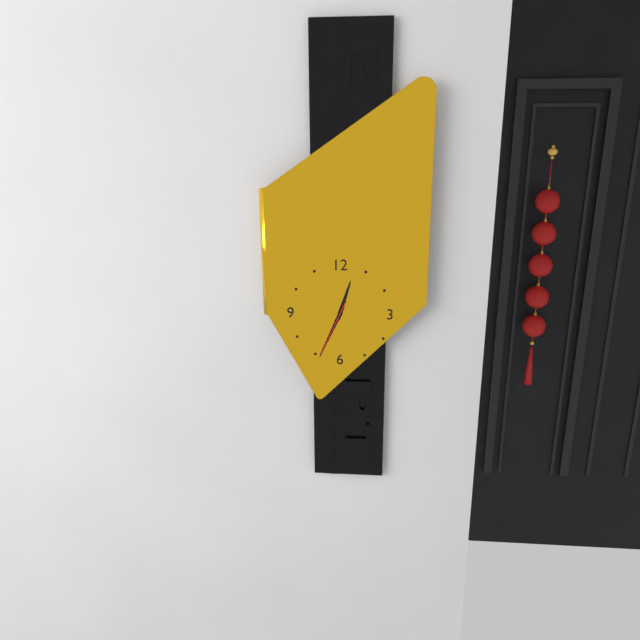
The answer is 12:34:34
